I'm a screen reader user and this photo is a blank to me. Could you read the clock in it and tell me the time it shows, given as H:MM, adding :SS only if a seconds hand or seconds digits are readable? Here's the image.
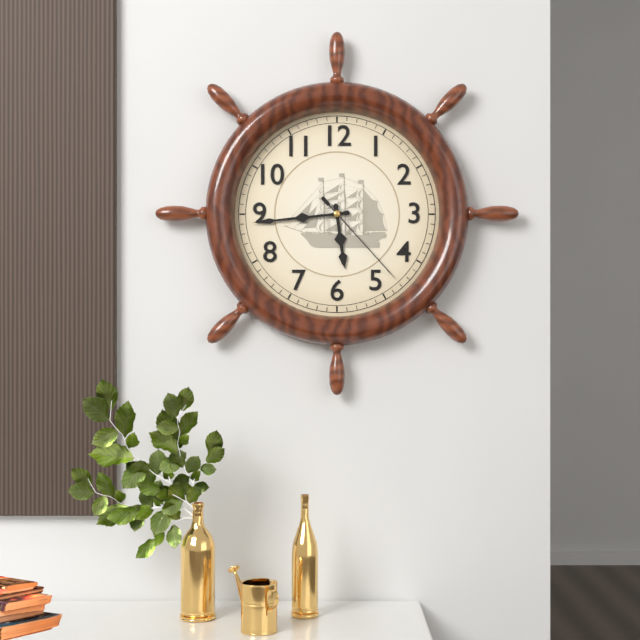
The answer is 5:44:23
